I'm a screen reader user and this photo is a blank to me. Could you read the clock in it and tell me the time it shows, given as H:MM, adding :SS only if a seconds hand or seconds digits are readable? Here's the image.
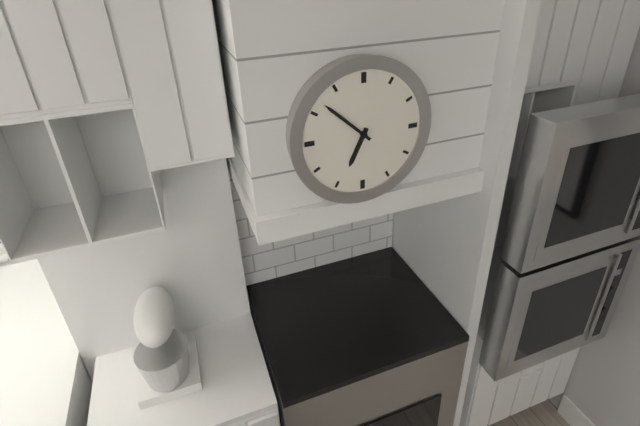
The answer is 6:52
